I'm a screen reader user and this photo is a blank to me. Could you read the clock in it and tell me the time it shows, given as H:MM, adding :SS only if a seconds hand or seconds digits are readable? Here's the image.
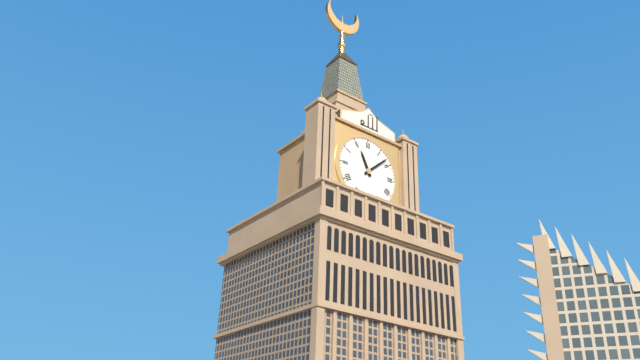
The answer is 11:08
